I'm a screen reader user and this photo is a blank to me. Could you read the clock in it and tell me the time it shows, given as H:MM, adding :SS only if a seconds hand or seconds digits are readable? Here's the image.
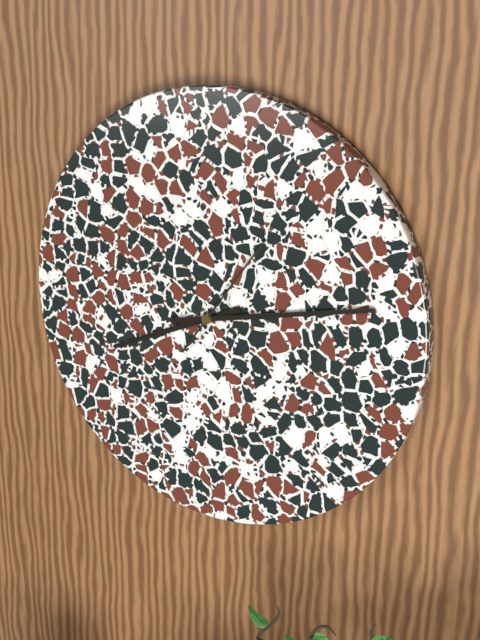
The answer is 8:13:06
